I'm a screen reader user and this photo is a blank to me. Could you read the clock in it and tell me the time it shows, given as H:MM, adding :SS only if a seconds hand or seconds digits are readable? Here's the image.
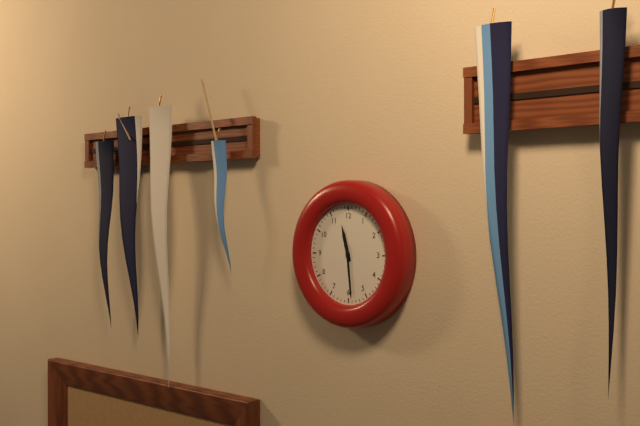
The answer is 11:29
